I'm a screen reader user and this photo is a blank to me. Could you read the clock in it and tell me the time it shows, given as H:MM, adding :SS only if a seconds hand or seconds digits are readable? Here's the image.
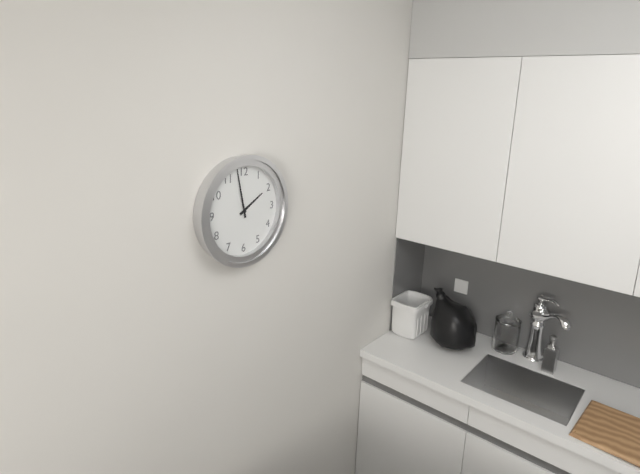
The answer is 1:58
